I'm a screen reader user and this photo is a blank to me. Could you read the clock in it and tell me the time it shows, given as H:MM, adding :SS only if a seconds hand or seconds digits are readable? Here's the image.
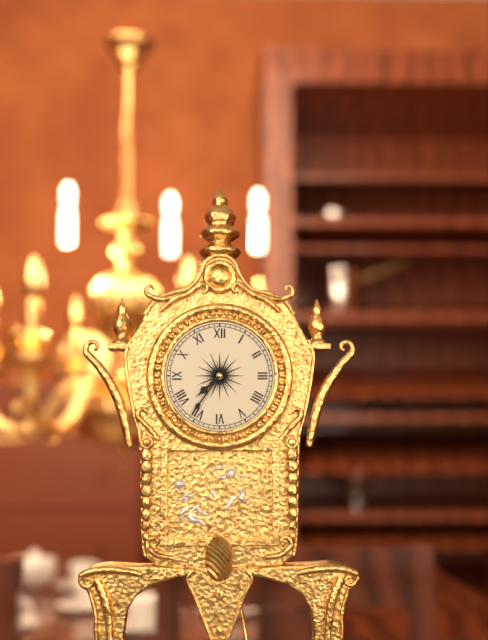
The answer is 7:36
